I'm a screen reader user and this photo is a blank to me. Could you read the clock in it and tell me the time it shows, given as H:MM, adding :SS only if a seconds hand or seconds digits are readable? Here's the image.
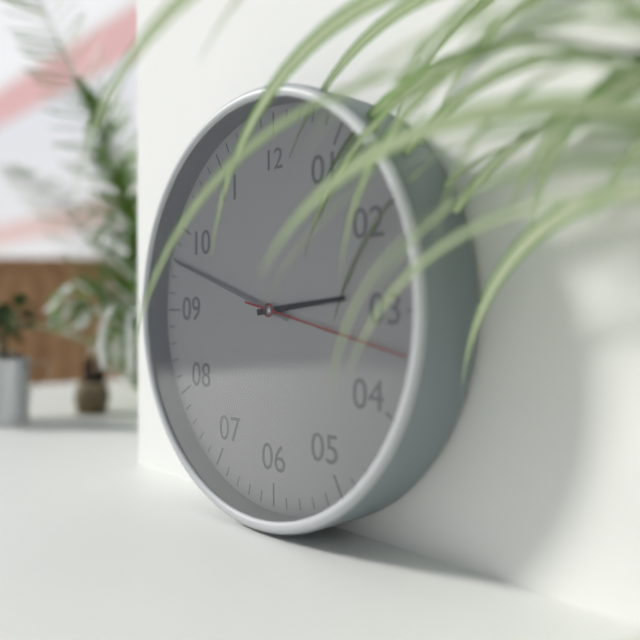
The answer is 2:48:17
